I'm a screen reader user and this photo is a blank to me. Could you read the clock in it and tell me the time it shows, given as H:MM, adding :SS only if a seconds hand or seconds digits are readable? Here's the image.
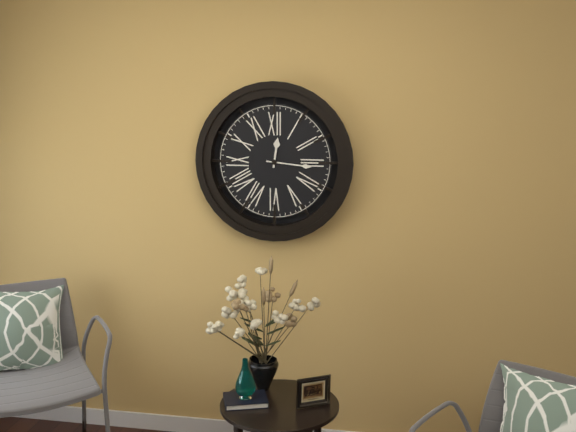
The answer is 12:16
